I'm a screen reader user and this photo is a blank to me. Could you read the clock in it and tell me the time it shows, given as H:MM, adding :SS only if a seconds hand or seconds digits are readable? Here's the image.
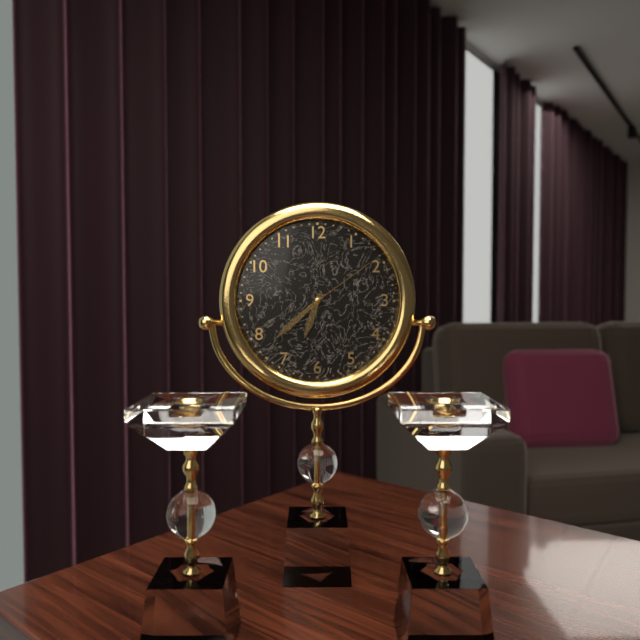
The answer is 6:38:09
